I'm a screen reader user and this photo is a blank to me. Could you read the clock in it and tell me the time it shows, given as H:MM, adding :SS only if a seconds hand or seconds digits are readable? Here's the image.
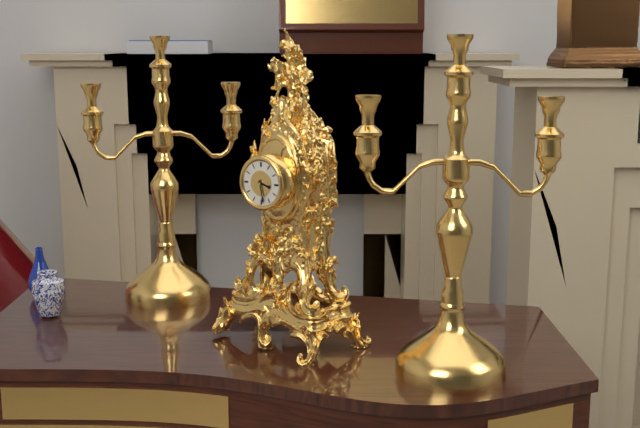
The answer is 3:28
